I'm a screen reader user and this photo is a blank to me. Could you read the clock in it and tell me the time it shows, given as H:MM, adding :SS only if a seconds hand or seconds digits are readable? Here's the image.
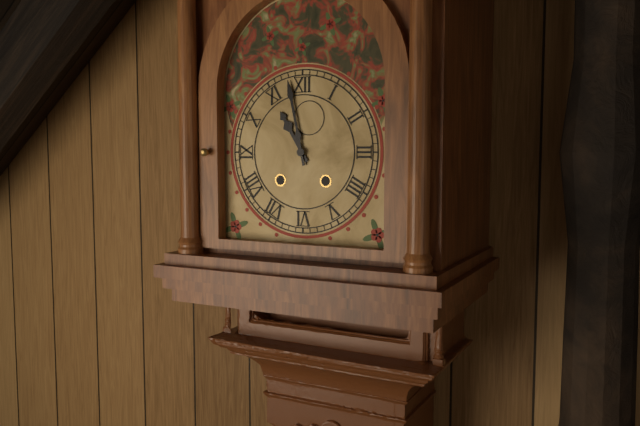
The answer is 10:58
